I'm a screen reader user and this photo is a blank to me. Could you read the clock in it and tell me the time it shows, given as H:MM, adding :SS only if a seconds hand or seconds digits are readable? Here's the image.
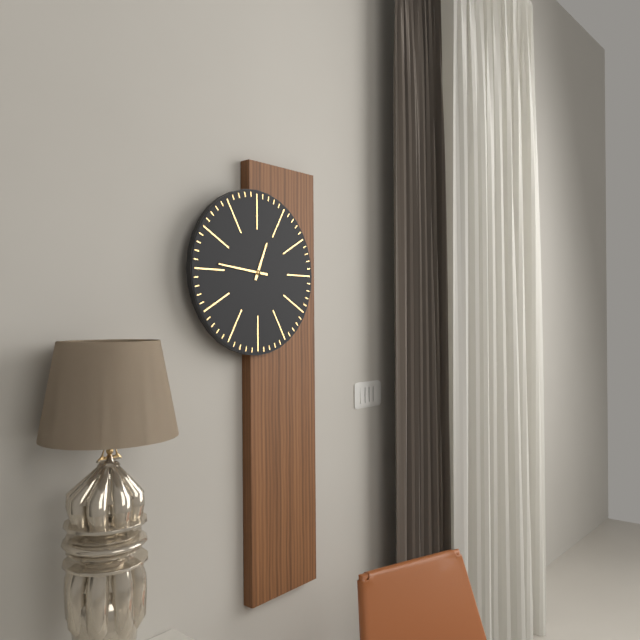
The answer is 12:46
